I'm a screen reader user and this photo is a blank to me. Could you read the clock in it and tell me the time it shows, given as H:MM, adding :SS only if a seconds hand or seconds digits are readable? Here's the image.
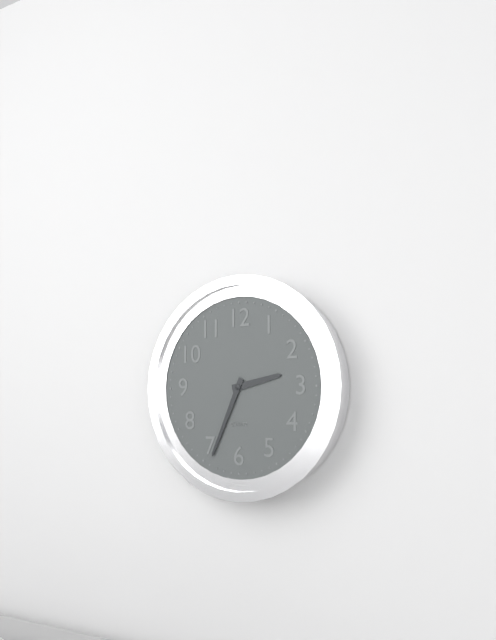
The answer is 2:34
